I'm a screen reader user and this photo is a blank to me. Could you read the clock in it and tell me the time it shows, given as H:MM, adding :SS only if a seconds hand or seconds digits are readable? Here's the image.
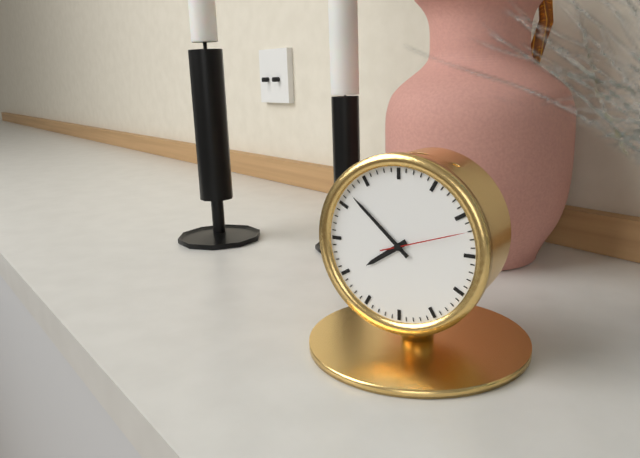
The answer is 7:52:12
